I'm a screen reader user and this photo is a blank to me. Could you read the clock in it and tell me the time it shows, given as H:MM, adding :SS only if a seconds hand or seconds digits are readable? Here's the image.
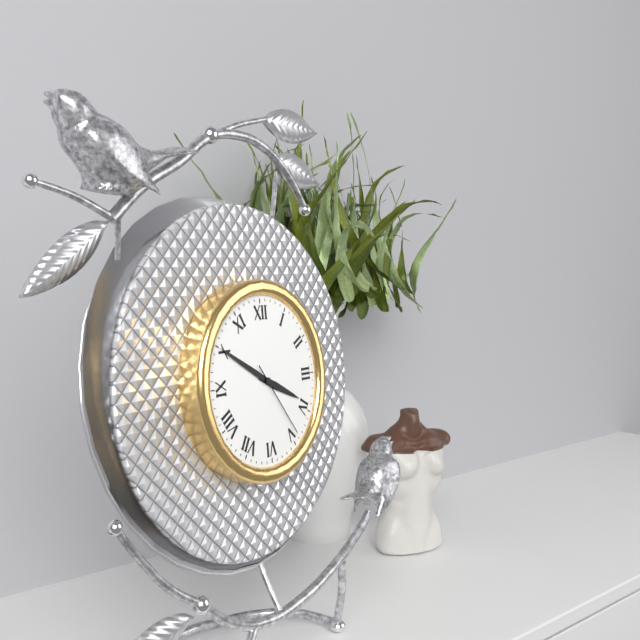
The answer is 3:50:24
